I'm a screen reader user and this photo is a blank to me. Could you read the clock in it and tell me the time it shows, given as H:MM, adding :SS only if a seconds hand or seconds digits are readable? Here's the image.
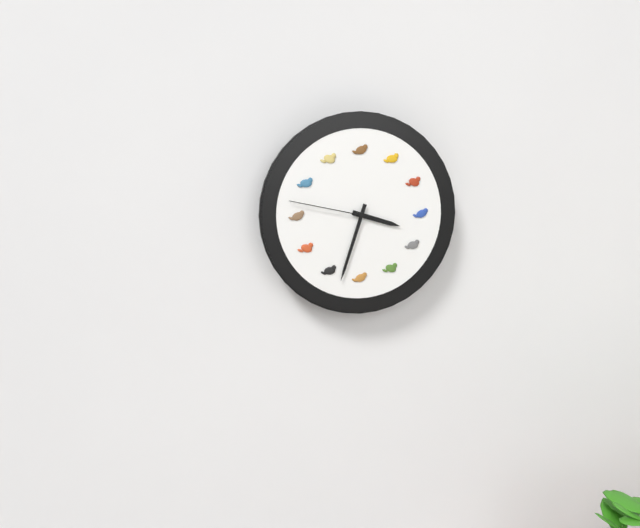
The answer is 3:33:47
